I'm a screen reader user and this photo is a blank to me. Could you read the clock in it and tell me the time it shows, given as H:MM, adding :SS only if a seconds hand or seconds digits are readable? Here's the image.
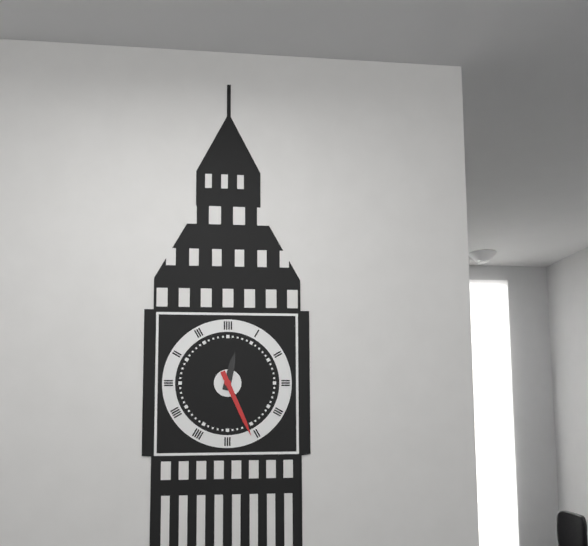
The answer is 12:26
